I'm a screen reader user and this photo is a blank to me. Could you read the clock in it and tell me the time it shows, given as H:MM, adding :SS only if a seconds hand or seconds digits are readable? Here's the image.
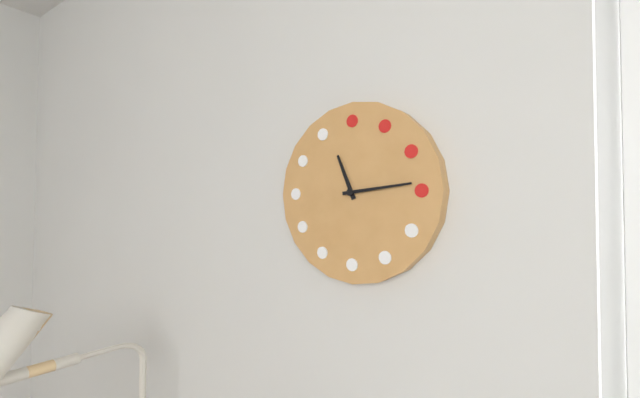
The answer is 11:14
